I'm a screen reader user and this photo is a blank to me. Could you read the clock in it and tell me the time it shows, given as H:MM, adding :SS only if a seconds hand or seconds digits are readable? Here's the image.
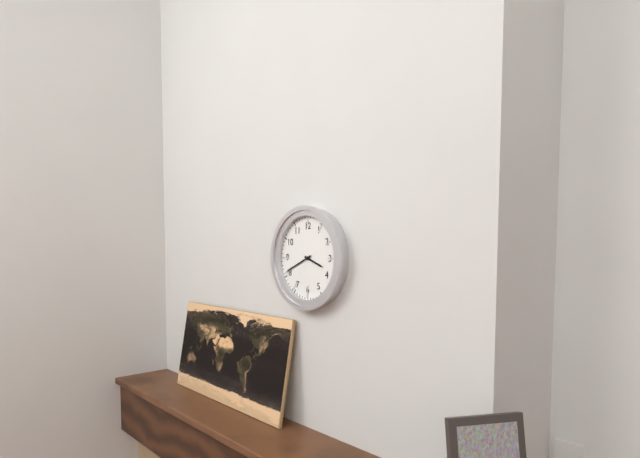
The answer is 3:41
